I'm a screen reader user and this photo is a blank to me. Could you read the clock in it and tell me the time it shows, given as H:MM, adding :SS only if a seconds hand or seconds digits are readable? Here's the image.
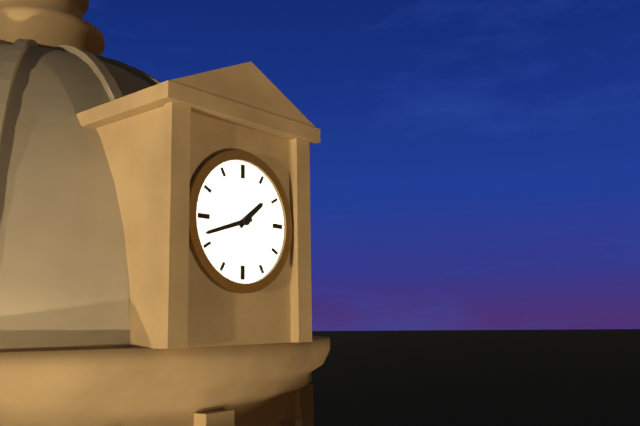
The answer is 1:42
